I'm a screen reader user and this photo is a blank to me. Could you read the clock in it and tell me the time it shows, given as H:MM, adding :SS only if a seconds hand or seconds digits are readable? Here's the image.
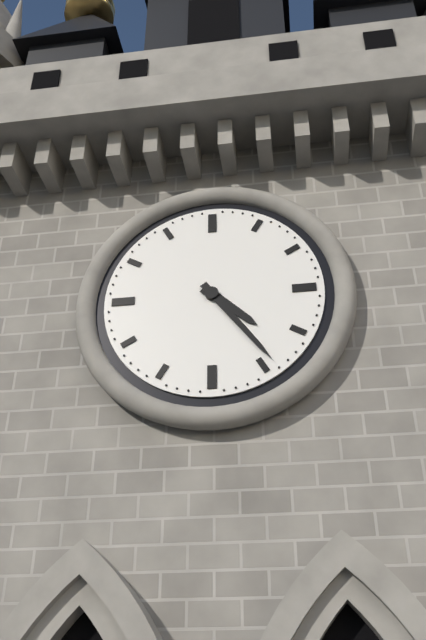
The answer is 4:24
